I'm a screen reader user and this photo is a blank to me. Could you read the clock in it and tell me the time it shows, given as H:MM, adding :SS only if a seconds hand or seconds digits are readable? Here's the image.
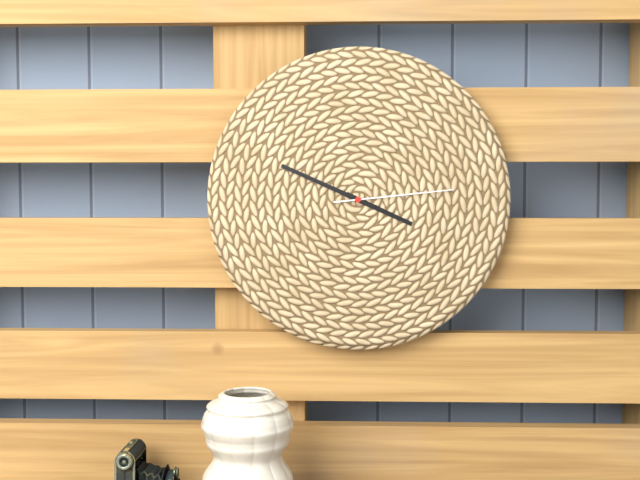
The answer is 3:49:14
